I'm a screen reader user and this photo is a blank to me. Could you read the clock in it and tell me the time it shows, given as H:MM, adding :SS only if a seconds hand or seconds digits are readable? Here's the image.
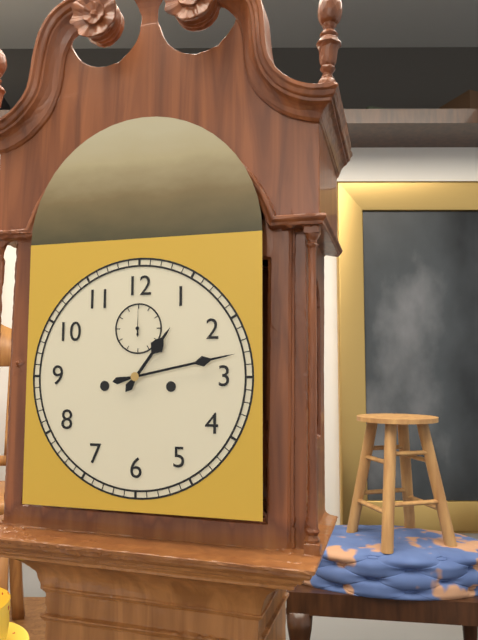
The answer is 1:13
